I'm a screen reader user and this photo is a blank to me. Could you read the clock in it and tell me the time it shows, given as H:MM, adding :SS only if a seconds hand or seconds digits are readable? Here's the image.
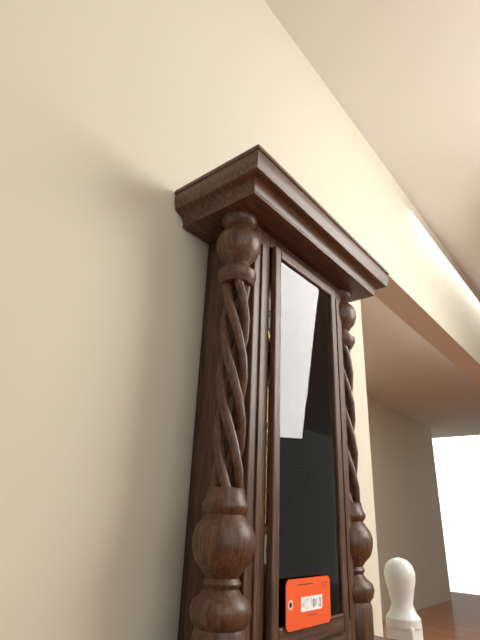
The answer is 2:34
